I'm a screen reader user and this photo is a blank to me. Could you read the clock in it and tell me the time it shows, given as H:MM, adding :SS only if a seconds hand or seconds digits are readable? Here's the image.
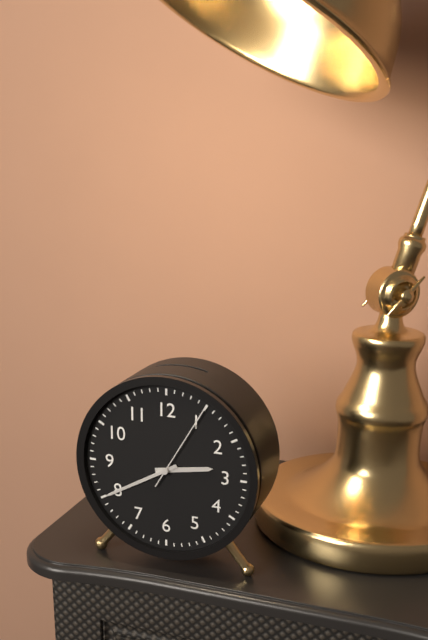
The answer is 2:40:05
